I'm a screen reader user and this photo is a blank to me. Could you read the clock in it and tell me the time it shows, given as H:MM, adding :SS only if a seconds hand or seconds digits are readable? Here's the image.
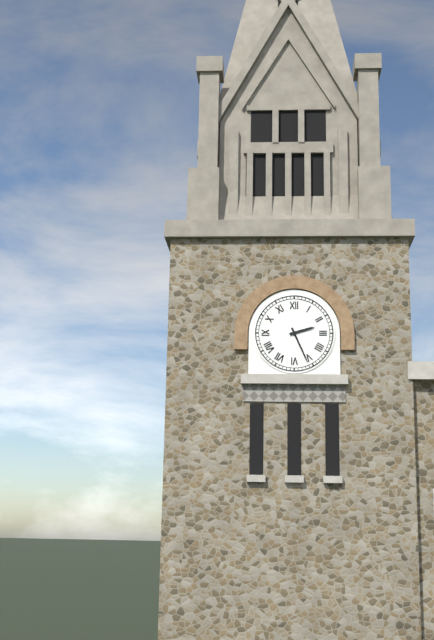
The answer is 2:26
